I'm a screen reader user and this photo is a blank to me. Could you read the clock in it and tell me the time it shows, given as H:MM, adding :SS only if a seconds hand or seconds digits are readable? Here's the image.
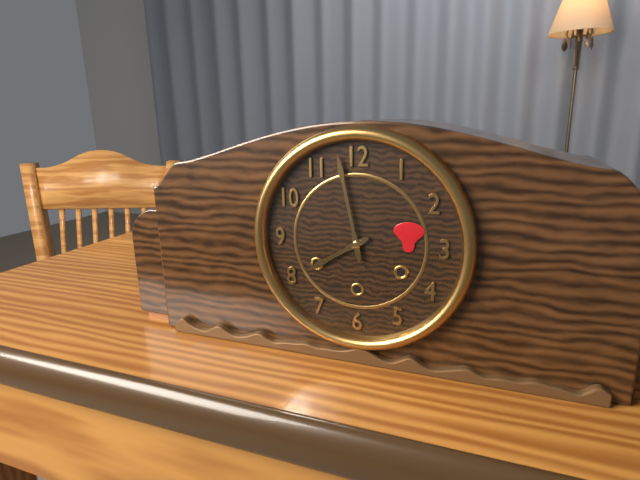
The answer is 7:58
